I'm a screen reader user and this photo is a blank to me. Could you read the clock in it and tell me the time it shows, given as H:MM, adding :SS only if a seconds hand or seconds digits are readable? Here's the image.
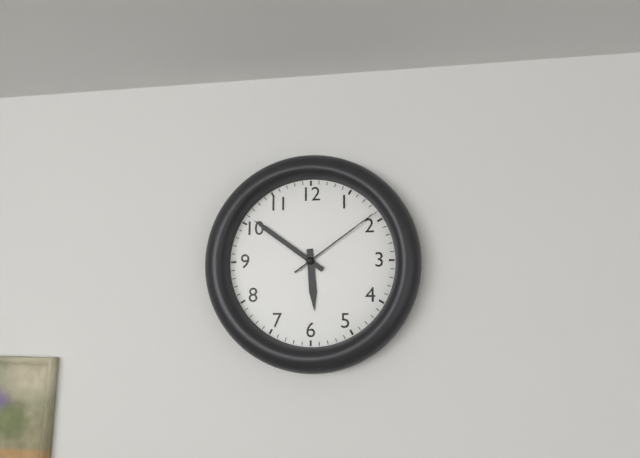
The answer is 5:51:09
